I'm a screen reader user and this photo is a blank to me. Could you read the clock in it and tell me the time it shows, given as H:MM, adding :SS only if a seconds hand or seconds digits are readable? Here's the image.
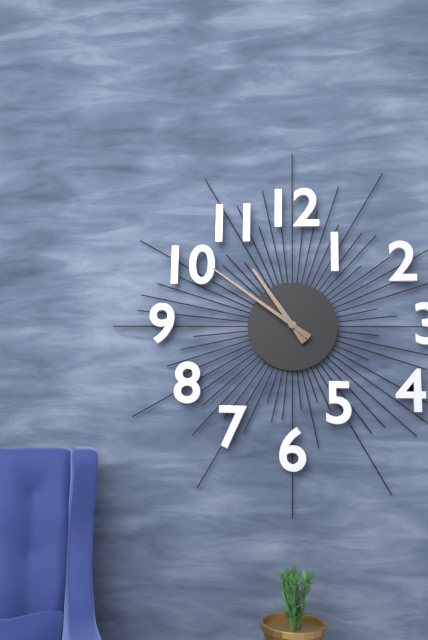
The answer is 10:51
